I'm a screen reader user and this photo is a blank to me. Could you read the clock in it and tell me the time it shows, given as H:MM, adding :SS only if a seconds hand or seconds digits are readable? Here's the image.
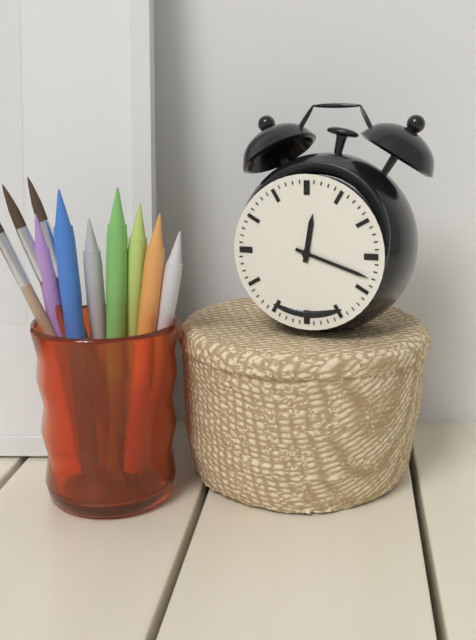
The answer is 12:18
